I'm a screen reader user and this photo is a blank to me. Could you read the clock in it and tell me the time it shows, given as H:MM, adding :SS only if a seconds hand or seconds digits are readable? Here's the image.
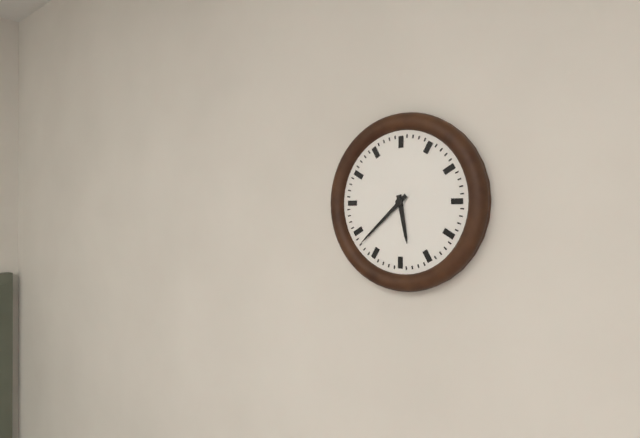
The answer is 5:38
